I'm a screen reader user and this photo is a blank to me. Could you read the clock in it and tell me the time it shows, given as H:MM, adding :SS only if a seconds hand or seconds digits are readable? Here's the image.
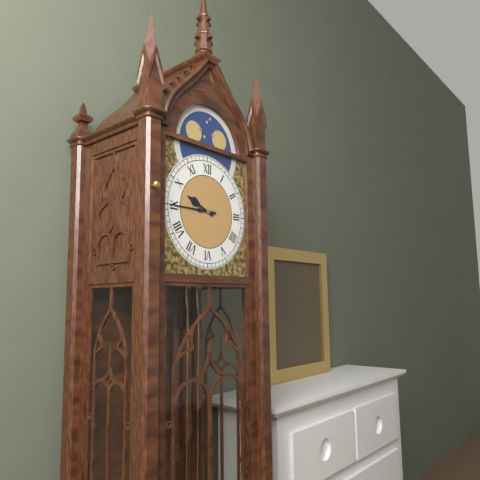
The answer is 9:45
